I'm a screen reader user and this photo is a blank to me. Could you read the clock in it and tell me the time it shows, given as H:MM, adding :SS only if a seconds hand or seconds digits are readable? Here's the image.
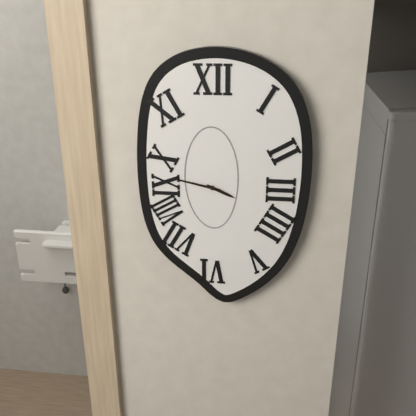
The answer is 3:47
